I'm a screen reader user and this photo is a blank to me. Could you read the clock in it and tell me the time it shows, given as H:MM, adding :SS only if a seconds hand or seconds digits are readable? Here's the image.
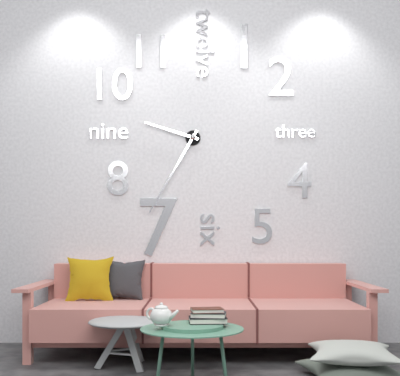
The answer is 9:35
